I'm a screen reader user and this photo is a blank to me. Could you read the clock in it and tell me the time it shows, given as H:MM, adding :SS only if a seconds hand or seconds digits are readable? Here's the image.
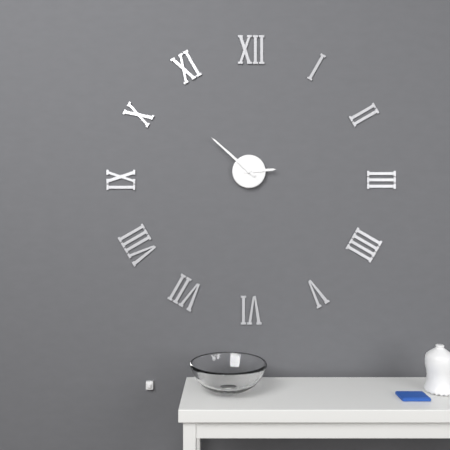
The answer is 2:52
